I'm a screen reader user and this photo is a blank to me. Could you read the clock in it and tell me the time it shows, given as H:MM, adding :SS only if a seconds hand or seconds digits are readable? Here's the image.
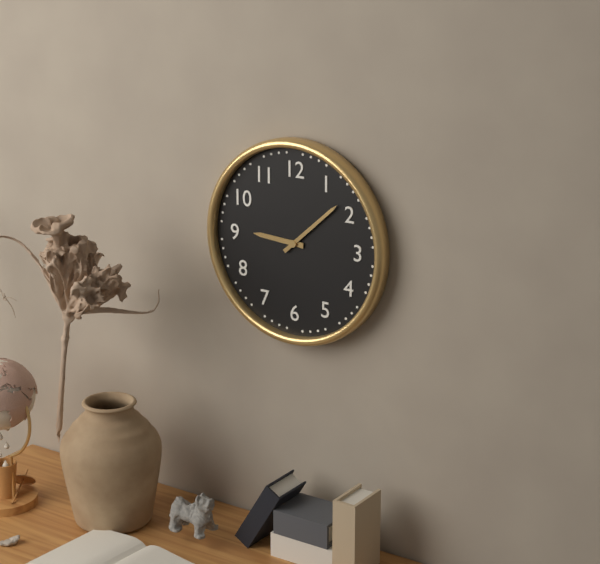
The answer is 9:08
